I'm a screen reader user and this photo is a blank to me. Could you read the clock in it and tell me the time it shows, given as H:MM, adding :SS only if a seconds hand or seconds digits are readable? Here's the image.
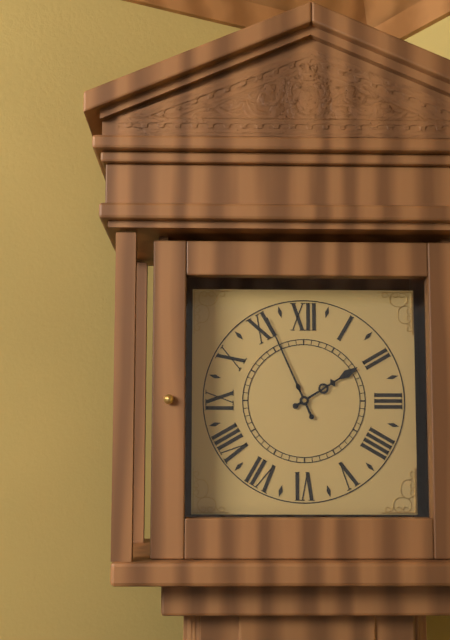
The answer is 1:56
